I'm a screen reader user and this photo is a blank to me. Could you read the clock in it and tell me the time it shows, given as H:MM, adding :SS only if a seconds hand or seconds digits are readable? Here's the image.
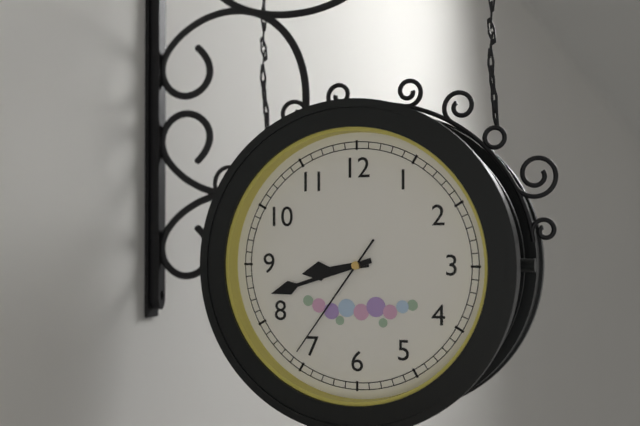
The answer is 8:42:36
